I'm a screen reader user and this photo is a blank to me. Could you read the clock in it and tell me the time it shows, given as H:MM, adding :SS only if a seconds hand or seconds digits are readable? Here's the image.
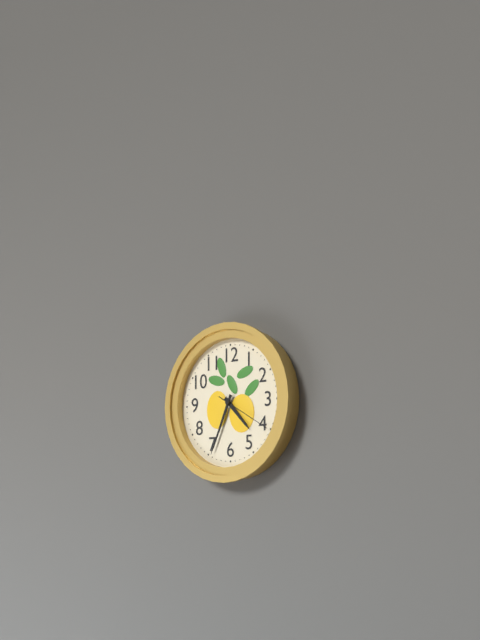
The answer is 4:34:20
